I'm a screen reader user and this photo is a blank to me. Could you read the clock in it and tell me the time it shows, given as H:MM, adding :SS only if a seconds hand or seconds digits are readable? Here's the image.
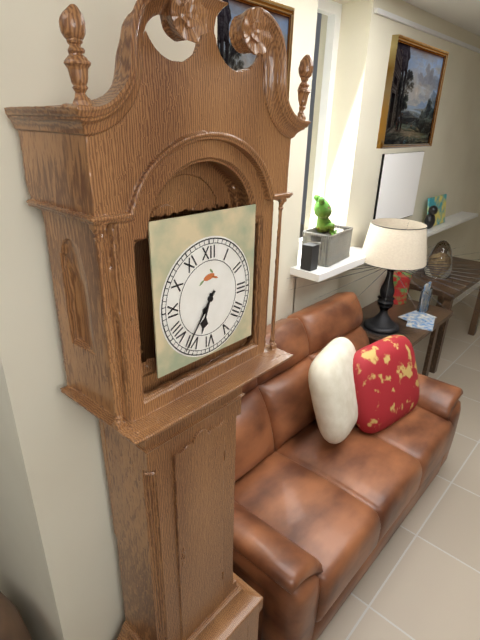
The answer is 6:36
